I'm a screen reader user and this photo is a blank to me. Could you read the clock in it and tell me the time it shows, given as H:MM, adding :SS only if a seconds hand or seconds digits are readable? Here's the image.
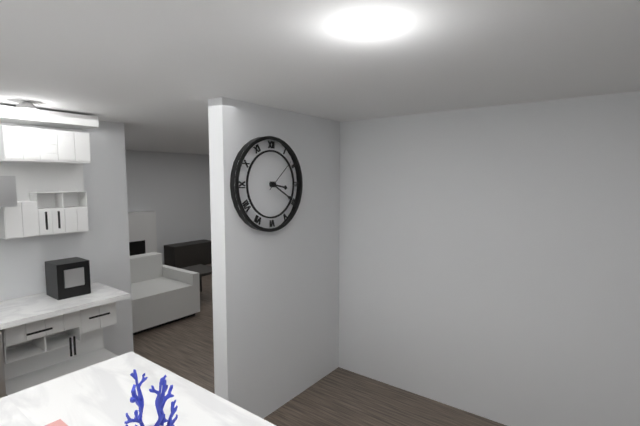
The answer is 3:20
